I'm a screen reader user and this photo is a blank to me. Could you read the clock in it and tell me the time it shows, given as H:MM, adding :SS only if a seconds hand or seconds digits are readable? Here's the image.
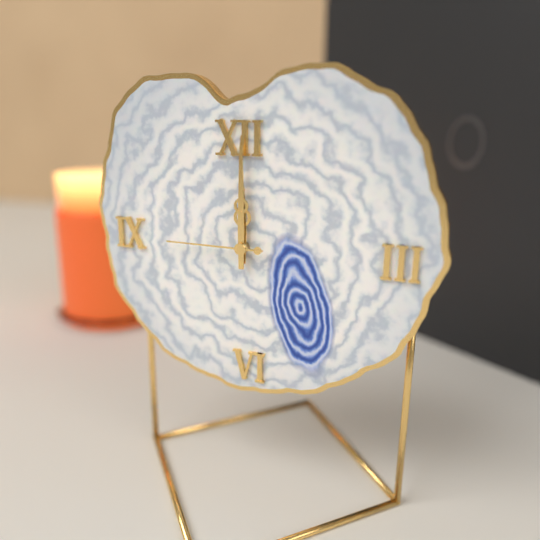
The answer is 12:00:45
